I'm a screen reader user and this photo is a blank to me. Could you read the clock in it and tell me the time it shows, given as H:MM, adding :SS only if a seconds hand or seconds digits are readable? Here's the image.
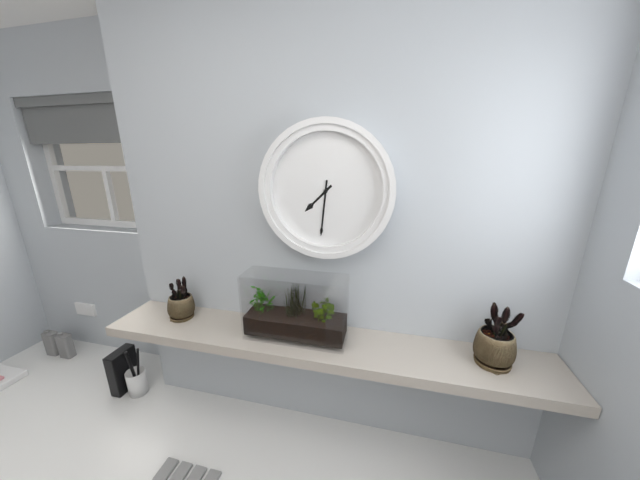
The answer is 7:31
